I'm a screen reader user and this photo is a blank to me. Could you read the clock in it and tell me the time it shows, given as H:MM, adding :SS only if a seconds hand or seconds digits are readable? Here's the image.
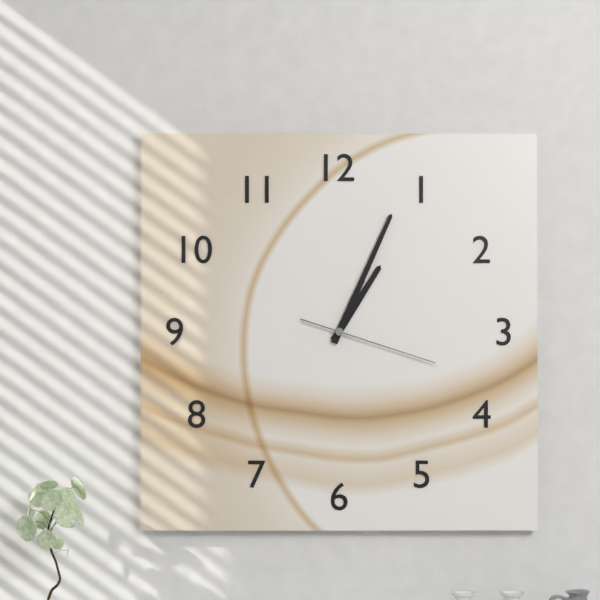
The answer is 1:04:18
